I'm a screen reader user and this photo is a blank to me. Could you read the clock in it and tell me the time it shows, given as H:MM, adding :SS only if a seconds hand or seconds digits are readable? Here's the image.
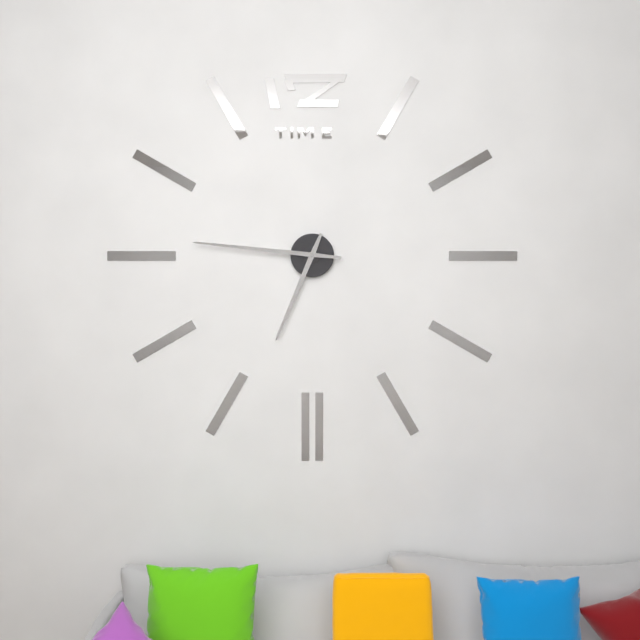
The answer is 6:46
